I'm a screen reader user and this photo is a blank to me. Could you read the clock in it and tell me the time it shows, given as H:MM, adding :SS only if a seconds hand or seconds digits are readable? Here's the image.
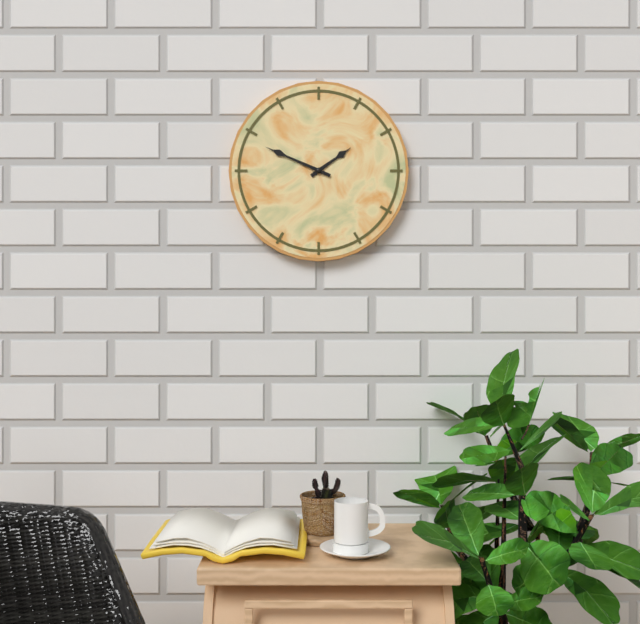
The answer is 1:49
